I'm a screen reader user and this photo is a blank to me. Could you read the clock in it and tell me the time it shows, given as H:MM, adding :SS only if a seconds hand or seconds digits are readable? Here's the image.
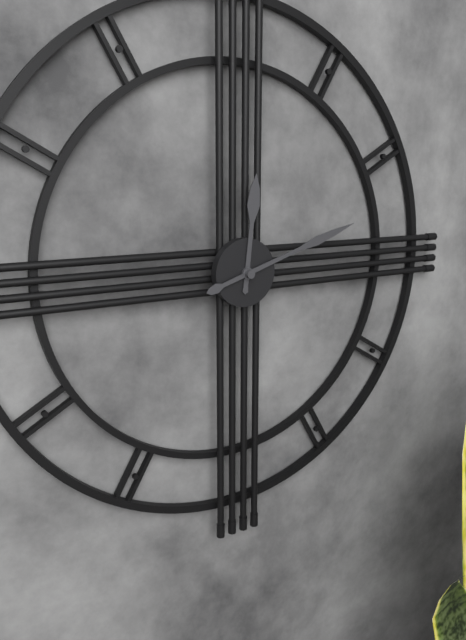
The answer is 12:12
